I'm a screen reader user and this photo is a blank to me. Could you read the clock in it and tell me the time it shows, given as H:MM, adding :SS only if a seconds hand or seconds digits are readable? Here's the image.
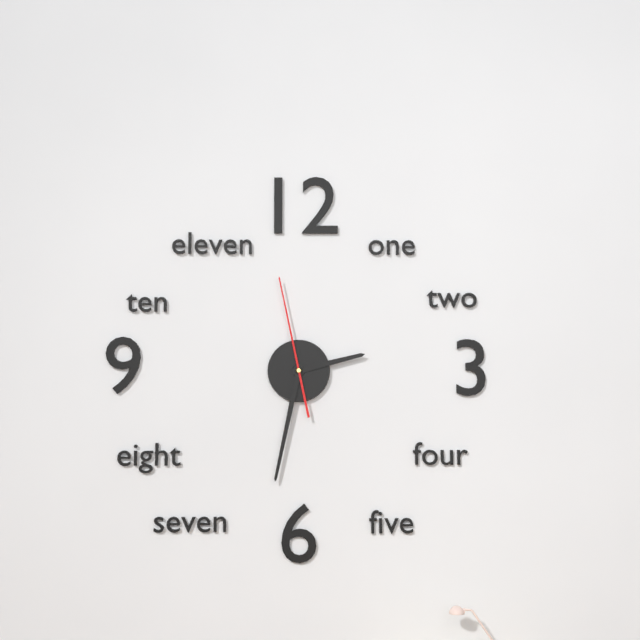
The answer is 2:32:58
